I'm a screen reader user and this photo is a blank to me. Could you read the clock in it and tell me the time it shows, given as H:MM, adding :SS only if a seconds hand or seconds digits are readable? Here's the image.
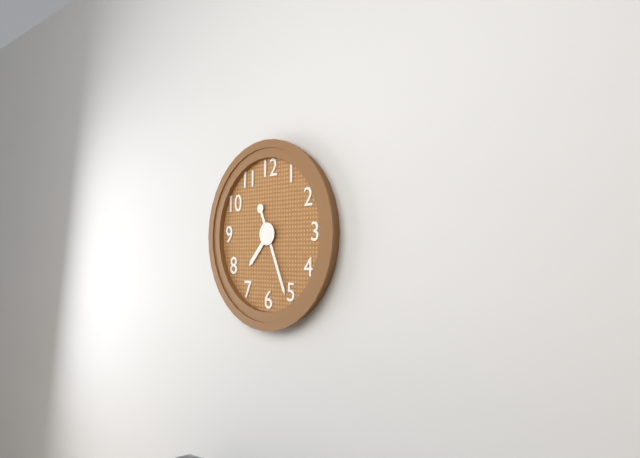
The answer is 7:26
